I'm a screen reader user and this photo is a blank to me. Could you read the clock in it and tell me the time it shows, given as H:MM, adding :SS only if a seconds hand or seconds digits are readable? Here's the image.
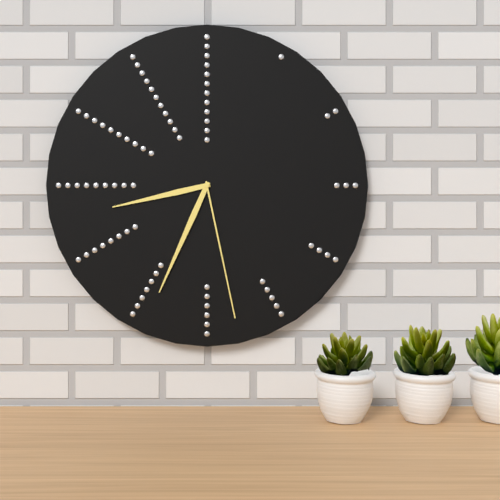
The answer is 8:34:28
